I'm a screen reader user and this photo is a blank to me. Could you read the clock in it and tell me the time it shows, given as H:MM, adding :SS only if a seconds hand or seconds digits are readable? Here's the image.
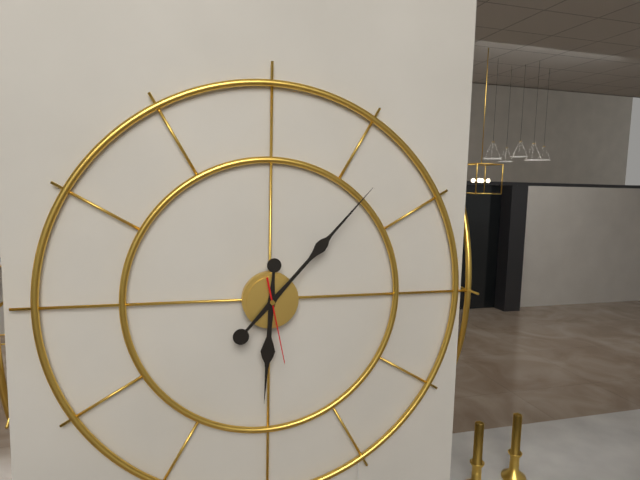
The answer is 6:07:28
